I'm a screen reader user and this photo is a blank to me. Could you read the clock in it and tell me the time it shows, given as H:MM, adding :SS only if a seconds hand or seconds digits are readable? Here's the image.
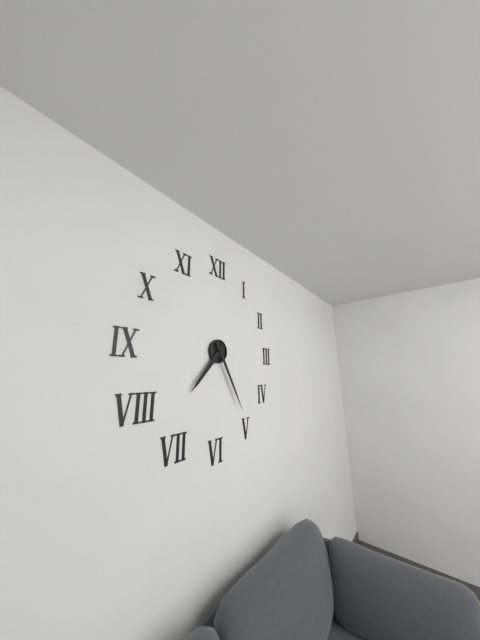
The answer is 7:25
